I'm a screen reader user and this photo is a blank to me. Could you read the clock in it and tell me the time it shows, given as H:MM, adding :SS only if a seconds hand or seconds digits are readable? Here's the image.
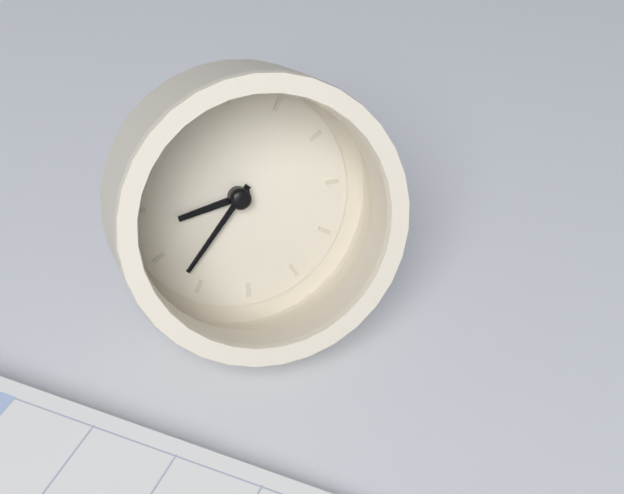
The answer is 8:37
